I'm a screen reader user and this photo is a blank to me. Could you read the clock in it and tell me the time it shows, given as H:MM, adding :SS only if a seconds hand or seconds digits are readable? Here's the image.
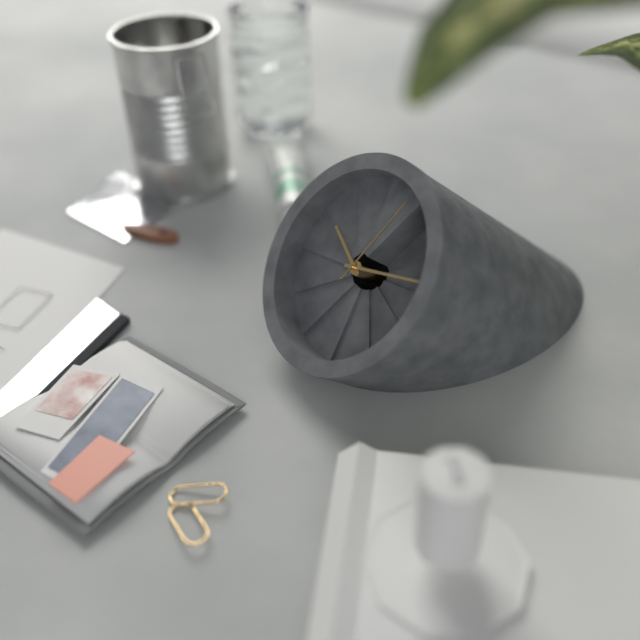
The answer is 9:09:59
